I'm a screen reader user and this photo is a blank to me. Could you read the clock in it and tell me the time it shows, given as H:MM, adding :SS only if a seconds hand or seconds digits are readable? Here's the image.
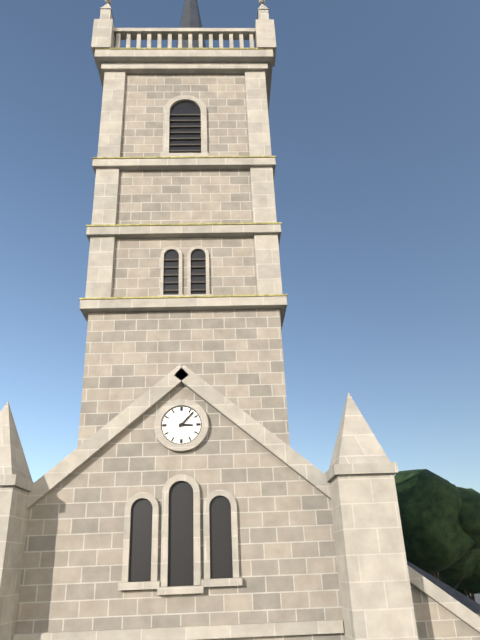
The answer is 3:07
